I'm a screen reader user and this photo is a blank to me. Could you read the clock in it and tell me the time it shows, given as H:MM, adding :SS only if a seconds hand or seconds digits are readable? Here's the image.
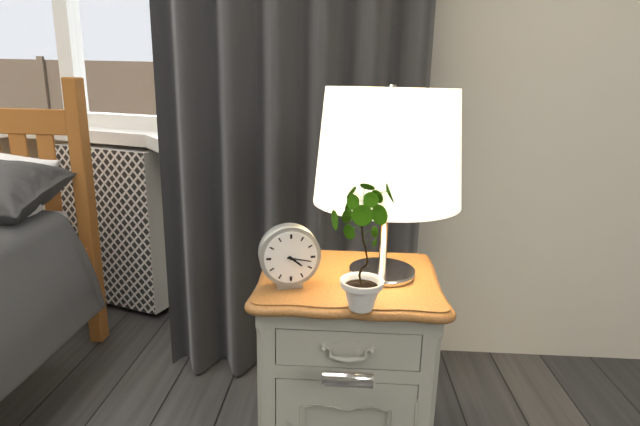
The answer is 4:17
